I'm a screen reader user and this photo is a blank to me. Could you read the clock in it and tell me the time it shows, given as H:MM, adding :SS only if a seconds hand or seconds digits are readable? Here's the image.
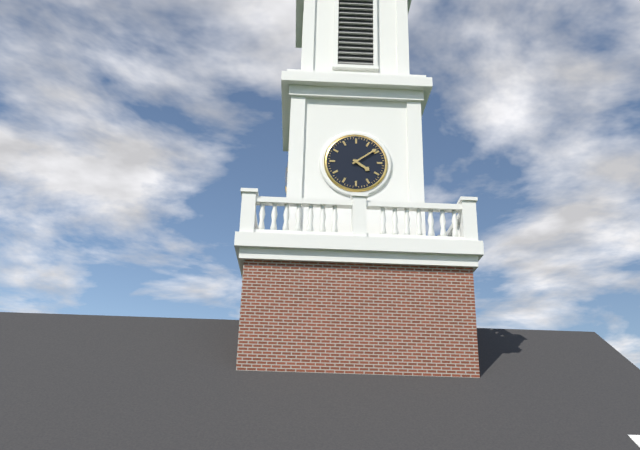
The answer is 4:09
